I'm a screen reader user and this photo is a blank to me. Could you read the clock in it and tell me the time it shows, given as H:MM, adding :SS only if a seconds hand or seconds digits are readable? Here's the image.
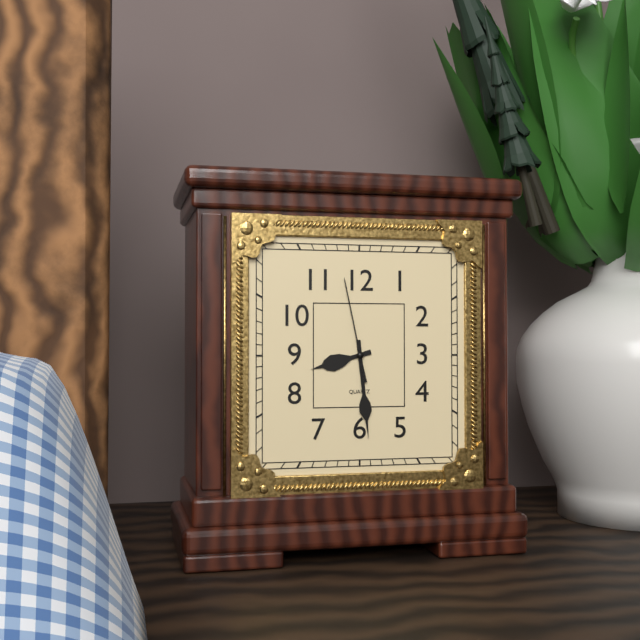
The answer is 8:29:58
